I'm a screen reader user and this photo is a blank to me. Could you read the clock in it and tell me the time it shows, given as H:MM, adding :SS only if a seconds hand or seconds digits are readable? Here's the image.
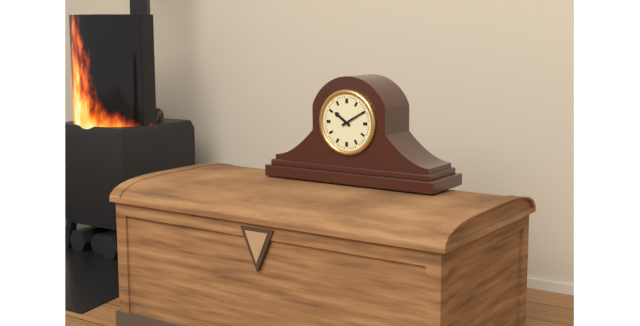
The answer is 10:10
